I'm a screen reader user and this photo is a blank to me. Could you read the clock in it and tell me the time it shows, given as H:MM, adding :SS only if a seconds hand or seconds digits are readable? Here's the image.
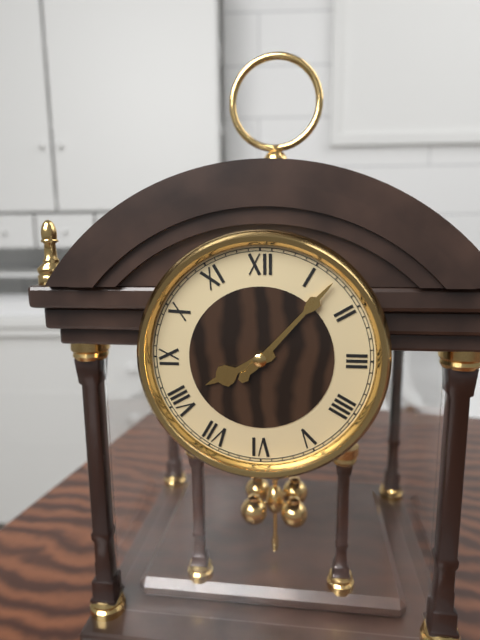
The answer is 8:07
